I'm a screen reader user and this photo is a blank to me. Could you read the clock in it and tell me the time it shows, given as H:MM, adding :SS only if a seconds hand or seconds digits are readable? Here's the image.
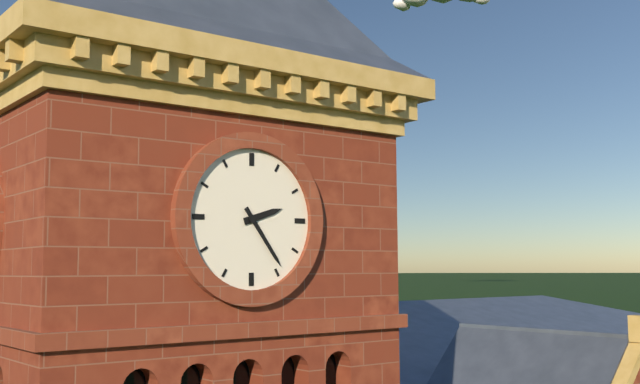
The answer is 2:24
